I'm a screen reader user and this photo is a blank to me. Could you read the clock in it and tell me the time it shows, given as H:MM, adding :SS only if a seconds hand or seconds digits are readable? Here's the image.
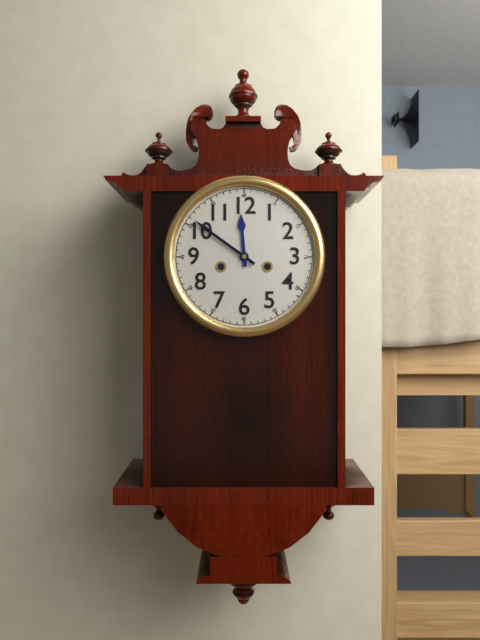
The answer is 11:51
